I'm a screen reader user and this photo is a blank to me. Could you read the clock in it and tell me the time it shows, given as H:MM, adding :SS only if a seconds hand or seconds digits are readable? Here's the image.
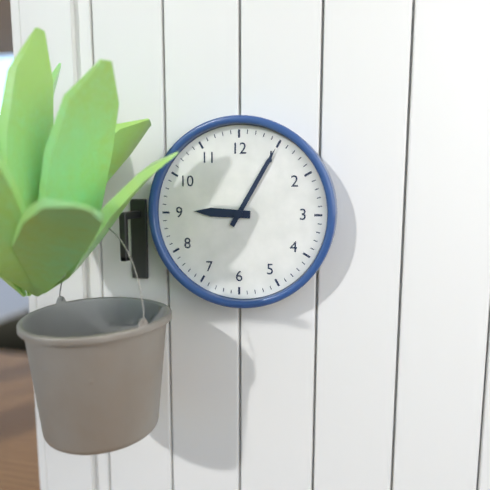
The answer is 9:05
